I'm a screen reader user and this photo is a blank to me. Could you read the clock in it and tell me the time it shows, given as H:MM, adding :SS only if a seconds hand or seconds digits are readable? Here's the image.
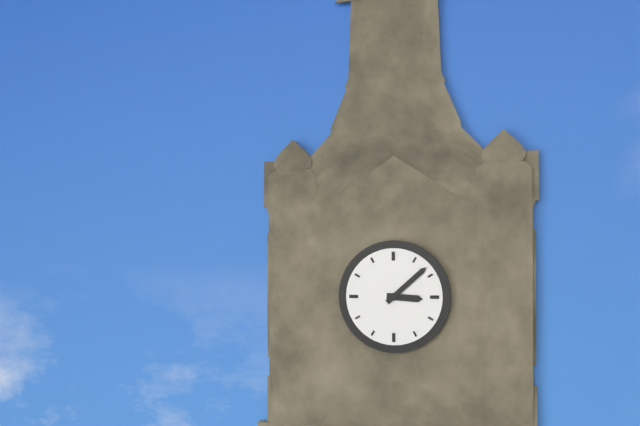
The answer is 3:08
